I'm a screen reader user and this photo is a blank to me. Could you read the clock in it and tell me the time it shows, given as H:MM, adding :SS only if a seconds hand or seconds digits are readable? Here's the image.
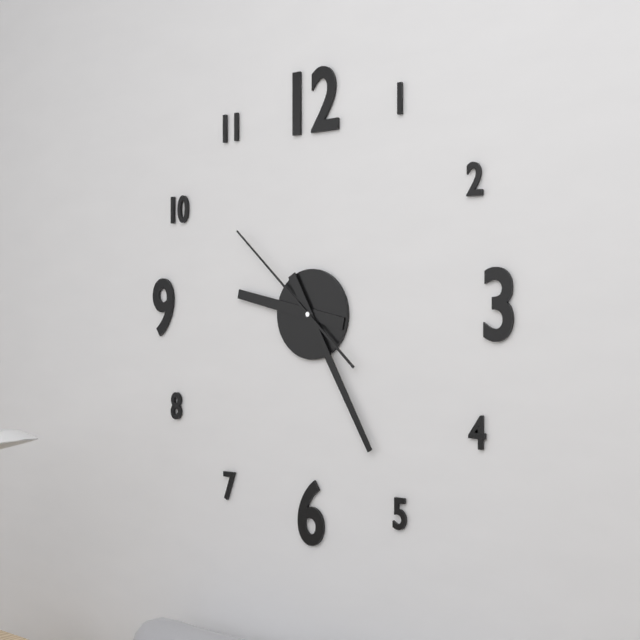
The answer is 9:25:52
